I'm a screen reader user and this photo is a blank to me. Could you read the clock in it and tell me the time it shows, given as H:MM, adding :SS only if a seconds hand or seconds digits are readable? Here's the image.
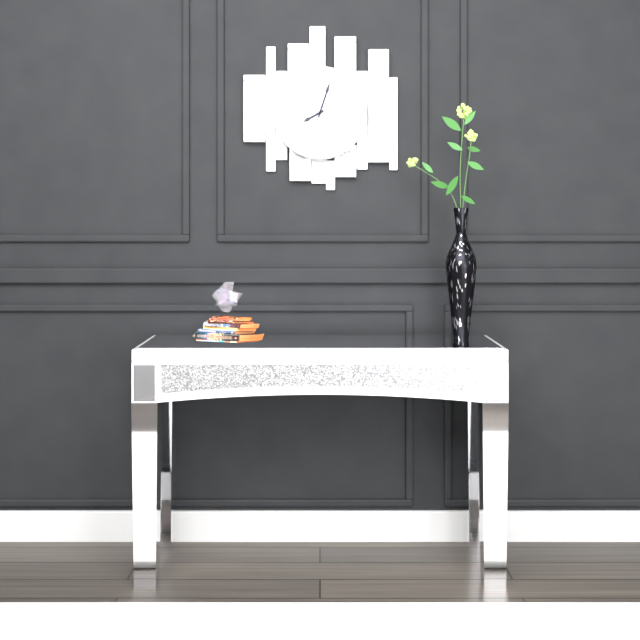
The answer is 8:03
